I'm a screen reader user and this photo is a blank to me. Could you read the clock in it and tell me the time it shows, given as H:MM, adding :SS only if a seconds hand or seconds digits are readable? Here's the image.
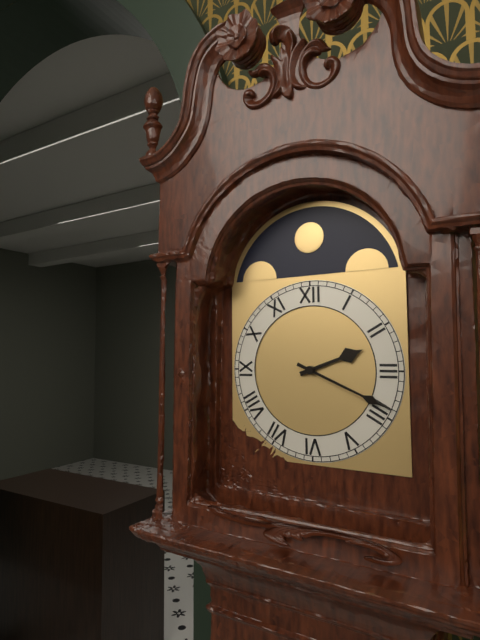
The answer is 2:19
